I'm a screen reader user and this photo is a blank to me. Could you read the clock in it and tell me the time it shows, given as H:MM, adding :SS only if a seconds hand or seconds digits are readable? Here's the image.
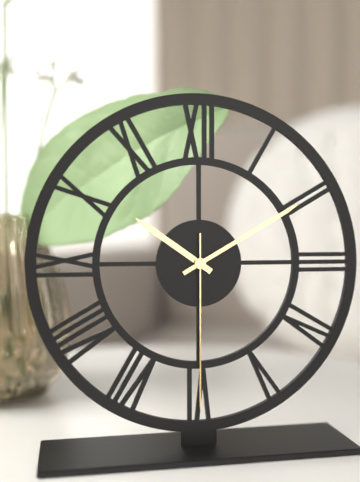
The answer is 10:10:30
